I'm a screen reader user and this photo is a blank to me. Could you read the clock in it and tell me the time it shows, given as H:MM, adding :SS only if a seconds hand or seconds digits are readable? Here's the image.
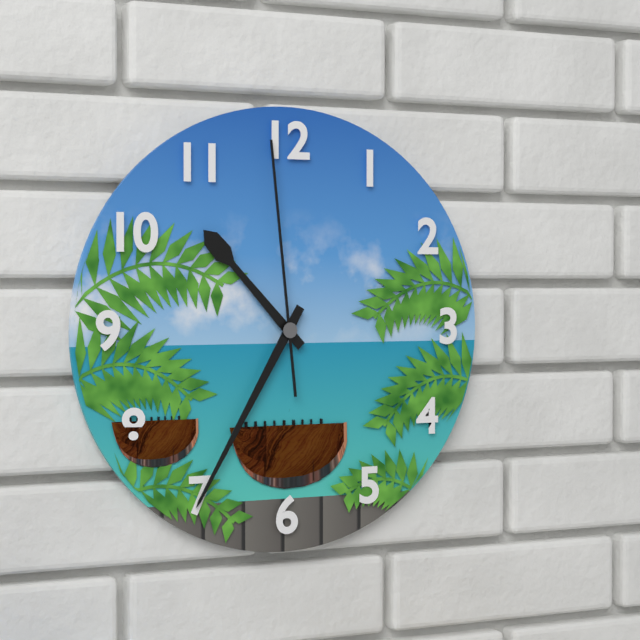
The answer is 10:35:59
